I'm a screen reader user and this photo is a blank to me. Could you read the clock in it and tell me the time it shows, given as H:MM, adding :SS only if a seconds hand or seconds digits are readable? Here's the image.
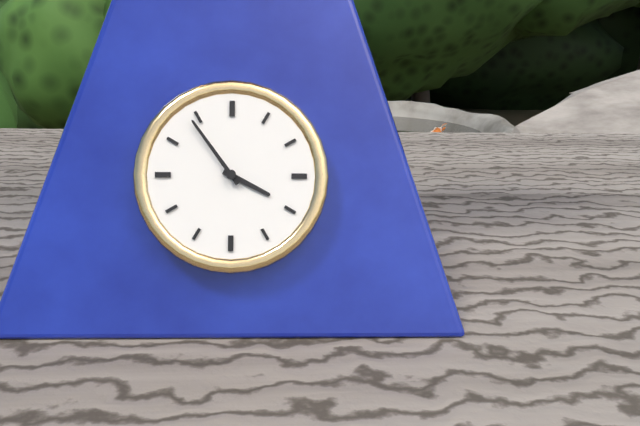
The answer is 3:54
